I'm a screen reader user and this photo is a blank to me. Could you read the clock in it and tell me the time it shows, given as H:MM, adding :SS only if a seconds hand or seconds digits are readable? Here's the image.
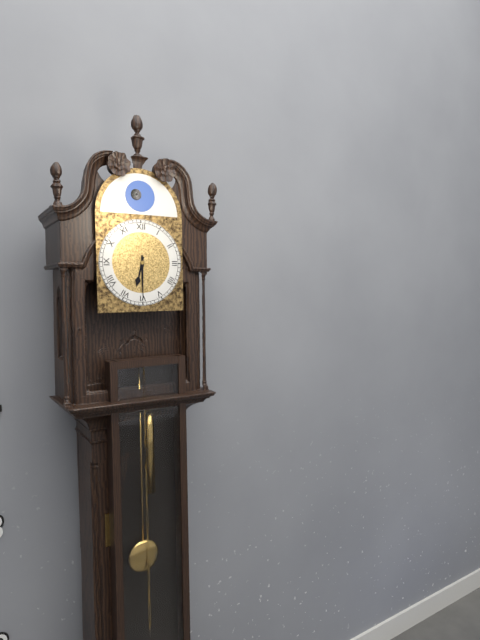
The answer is 6:30
